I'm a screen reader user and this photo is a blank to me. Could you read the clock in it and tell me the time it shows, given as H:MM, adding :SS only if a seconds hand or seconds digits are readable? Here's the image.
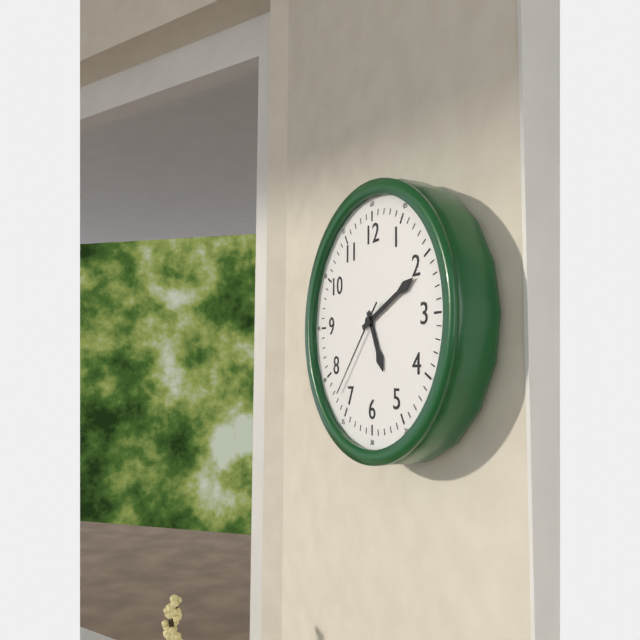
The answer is 5:11:37
